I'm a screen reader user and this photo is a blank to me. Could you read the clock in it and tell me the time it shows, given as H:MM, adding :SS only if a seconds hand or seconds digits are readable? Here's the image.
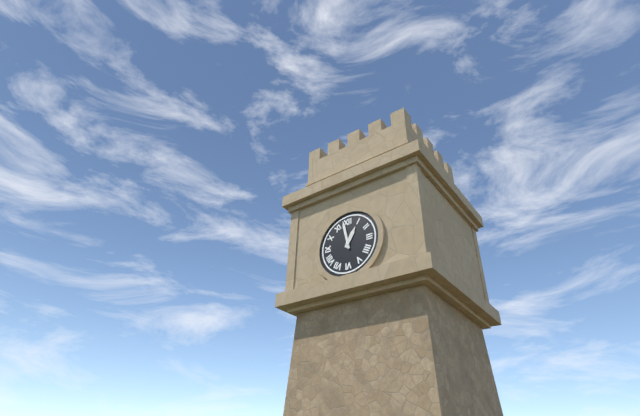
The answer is 12:58
